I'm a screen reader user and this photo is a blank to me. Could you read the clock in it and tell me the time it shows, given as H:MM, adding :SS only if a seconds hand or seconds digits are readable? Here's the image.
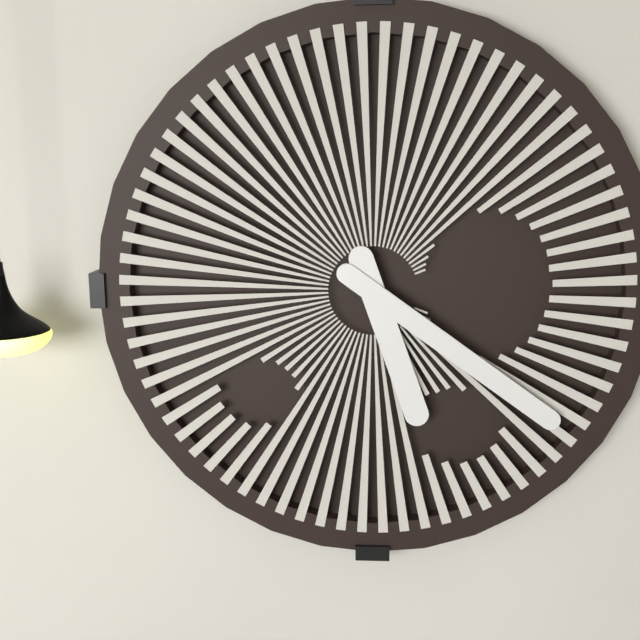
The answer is 5:21
